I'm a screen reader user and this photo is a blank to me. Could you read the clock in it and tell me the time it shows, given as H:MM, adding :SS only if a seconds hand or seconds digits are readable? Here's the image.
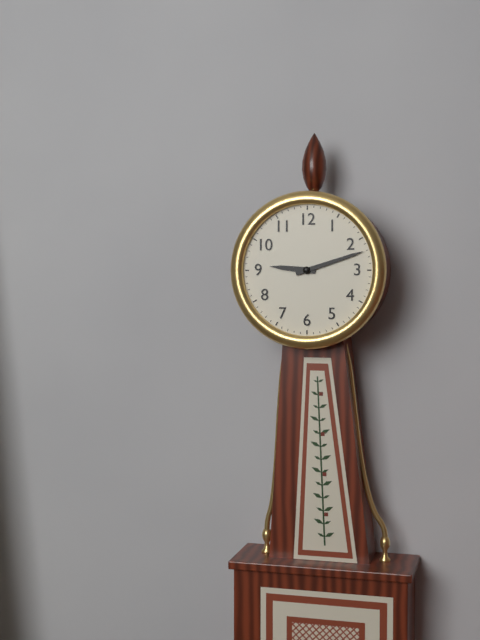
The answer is 9:12
